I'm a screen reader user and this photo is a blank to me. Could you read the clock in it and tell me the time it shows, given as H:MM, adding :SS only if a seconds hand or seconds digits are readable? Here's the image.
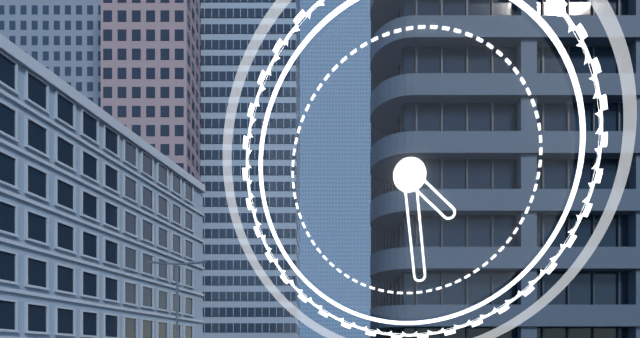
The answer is 4:29
